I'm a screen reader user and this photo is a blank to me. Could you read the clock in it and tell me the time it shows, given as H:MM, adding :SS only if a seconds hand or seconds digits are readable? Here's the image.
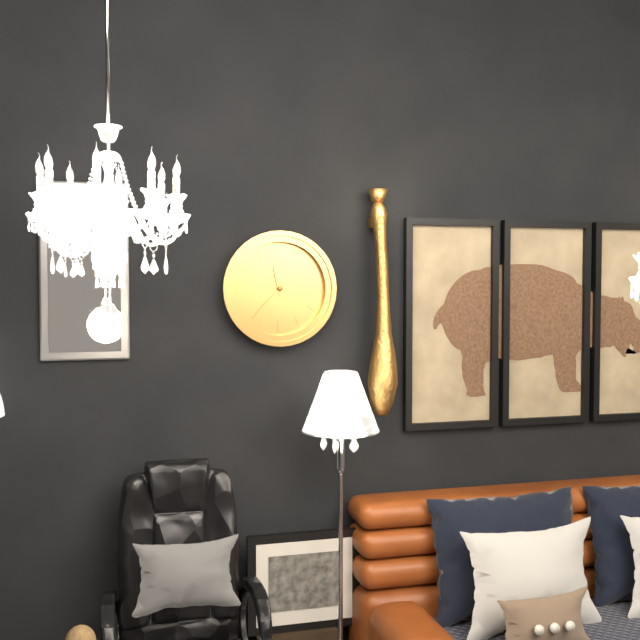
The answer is 11:37
